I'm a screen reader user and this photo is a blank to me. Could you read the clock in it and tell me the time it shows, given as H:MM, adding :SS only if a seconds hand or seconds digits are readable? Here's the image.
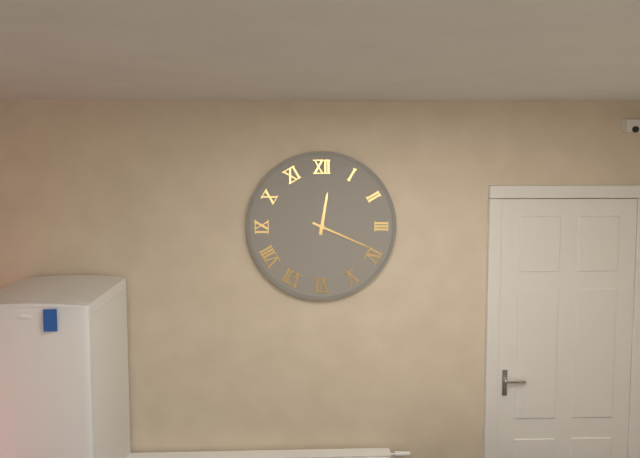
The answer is 12:19
